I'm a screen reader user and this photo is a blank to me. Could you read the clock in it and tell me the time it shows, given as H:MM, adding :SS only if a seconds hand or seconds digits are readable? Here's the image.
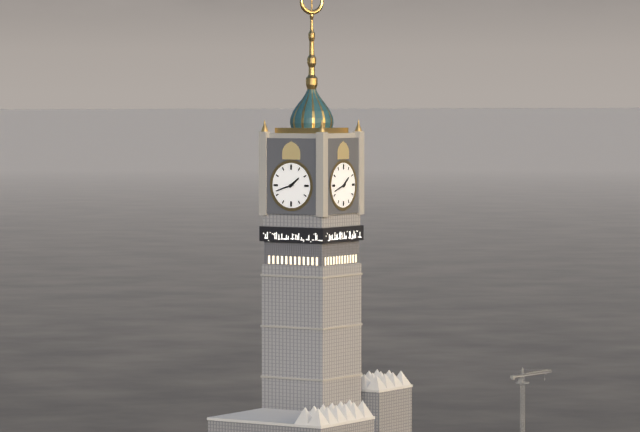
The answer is 1:42
